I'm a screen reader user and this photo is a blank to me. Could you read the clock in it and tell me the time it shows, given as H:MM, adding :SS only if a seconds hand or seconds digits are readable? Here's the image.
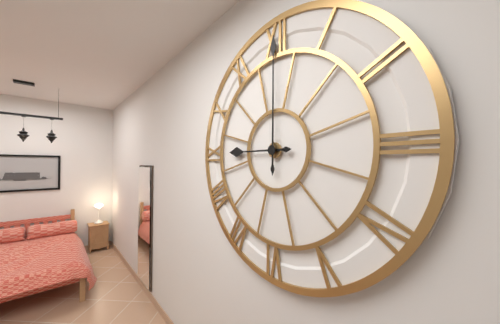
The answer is 9:00
